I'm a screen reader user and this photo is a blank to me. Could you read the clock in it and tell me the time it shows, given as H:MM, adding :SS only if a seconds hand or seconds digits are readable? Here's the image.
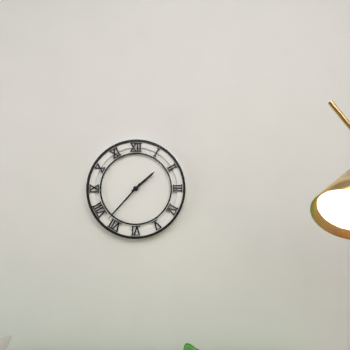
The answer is 1:37
